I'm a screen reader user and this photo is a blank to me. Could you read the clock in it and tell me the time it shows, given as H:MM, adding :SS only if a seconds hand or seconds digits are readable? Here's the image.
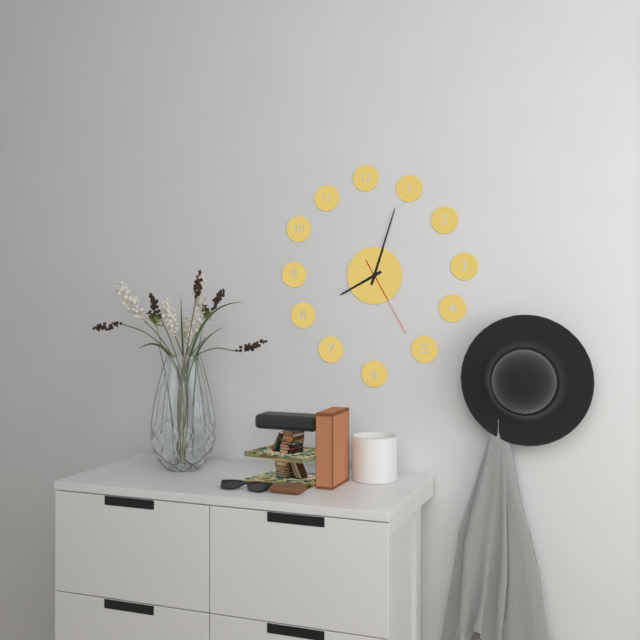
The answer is 8:03:25
